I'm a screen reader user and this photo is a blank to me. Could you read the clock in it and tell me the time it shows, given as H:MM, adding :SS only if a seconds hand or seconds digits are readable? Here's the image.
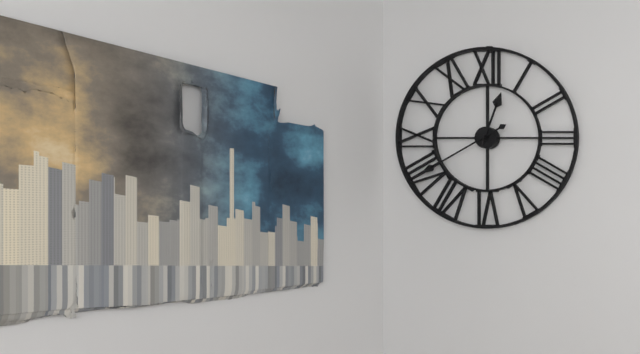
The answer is 12:40
